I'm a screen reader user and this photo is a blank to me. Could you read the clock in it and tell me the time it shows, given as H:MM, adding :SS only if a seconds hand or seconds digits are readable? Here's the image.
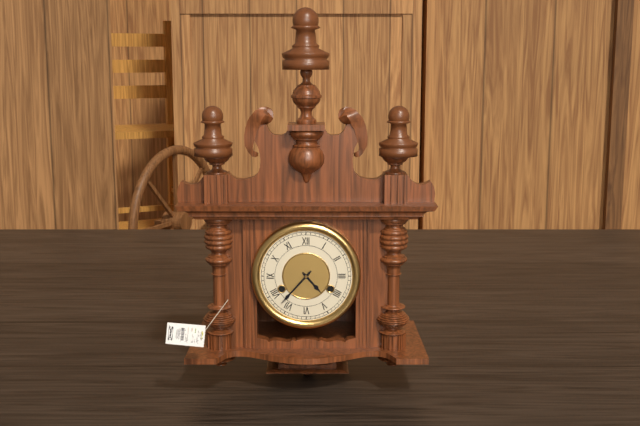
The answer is 4:37
